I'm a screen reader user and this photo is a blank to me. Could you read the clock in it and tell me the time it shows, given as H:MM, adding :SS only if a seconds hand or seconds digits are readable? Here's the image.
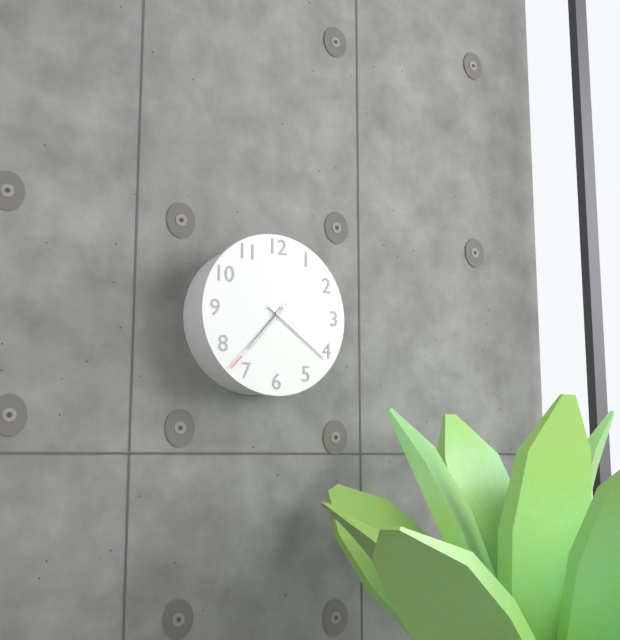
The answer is 7:21:37
